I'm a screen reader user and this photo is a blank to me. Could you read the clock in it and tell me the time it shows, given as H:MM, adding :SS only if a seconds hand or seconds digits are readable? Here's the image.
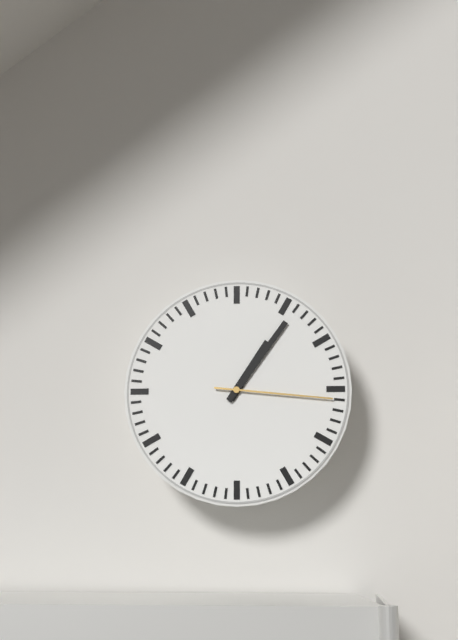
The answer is 1:06:16
